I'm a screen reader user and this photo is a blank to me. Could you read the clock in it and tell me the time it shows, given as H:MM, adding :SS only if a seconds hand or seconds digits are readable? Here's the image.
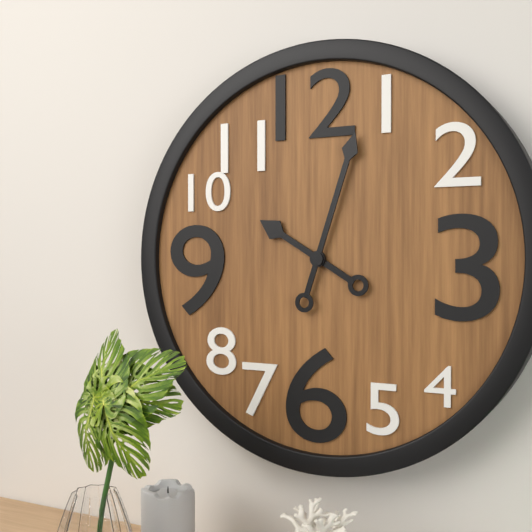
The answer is 10:03
